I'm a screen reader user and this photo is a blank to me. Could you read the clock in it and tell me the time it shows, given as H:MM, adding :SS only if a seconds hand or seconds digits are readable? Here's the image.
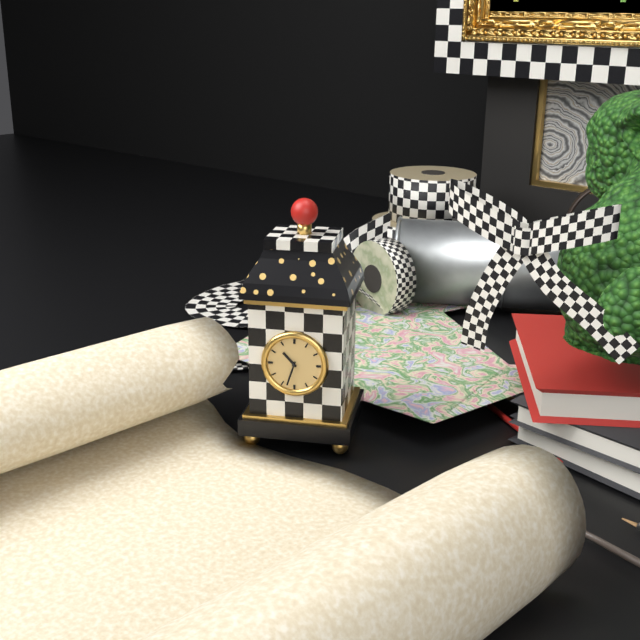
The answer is 10:33
